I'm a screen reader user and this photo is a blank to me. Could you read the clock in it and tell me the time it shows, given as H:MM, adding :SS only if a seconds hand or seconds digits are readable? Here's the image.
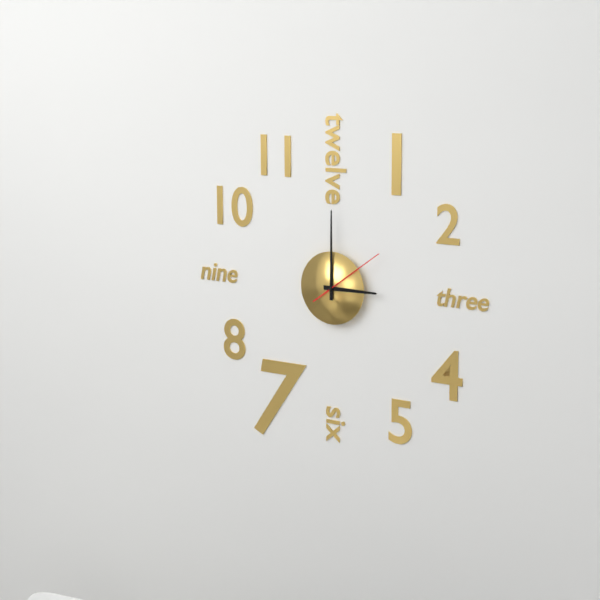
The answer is 3:00:09
